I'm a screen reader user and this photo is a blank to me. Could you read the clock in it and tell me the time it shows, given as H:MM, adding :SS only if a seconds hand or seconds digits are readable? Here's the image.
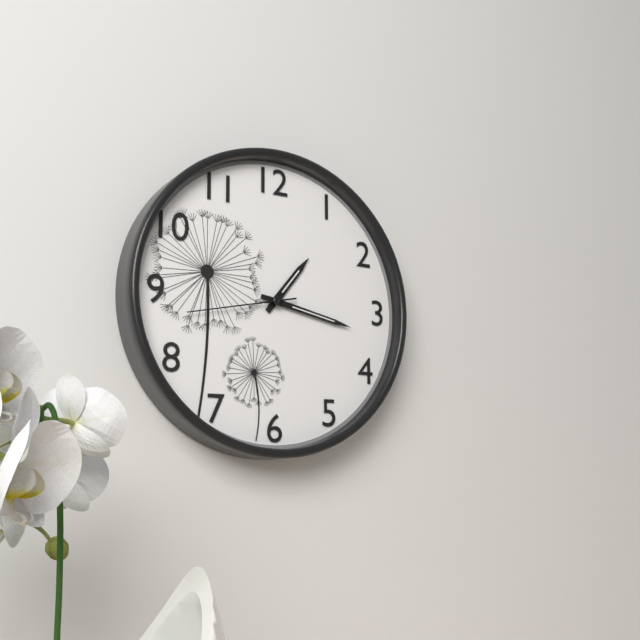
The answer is 1:17:43
